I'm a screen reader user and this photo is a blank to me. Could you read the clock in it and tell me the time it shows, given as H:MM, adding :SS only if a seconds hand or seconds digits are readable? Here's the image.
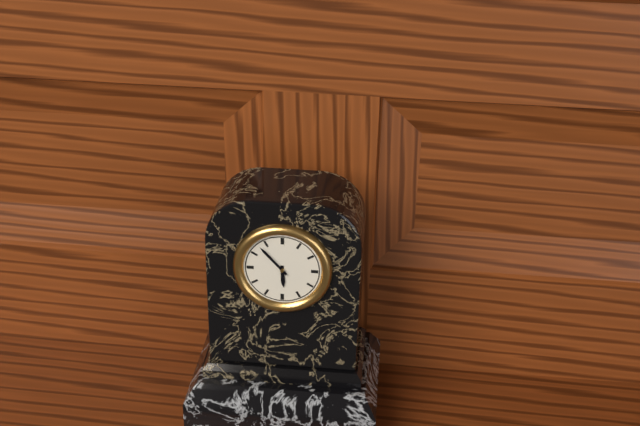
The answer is 5:53
